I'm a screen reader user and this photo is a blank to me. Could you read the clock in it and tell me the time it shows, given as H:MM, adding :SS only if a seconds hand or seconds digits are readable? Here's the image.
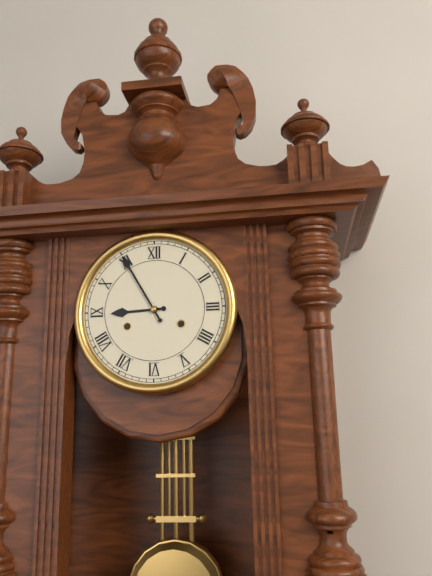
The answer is 8:55
